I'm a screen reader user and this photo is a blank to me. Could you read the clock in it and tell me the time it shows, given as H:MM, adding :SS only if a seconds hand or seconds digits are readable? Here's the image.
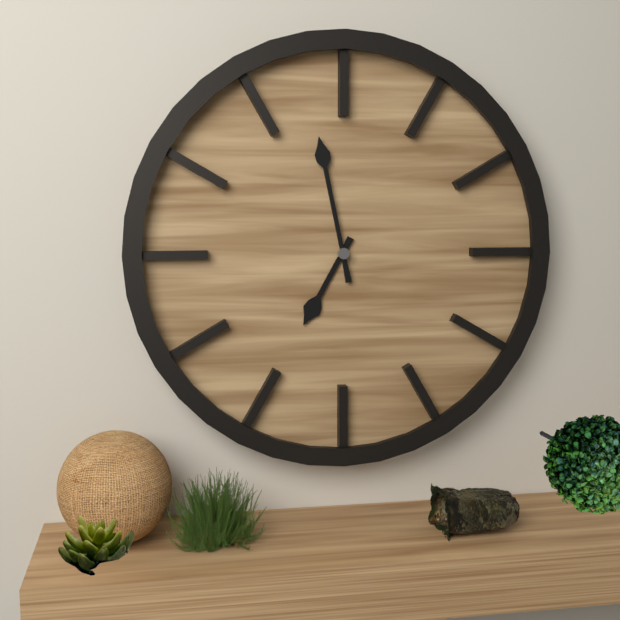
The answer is 6:58
